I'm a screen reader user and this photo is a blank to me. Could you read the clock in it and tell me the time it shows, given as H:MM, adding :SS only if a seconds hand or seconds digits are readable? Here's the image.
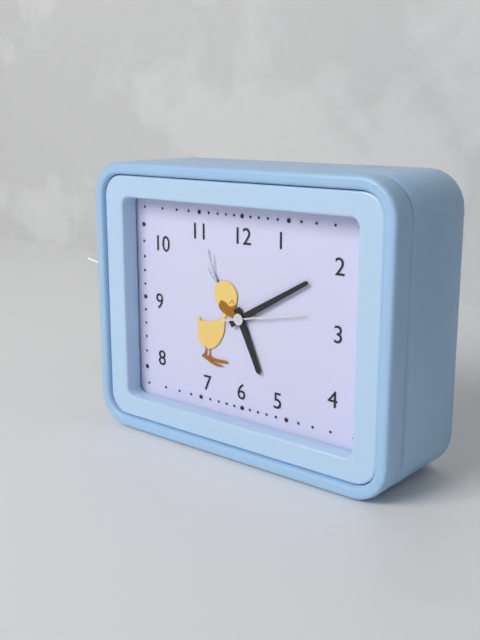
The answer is 5:10:13
